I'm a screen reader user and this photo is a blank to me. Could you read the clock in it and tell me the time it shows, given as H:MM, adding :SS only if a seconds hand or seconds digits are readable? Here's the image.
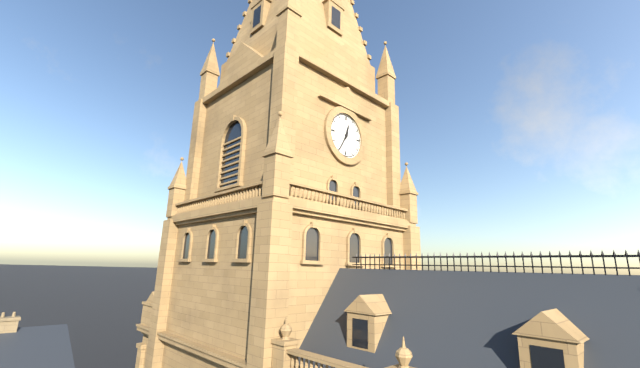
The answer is 12:35
